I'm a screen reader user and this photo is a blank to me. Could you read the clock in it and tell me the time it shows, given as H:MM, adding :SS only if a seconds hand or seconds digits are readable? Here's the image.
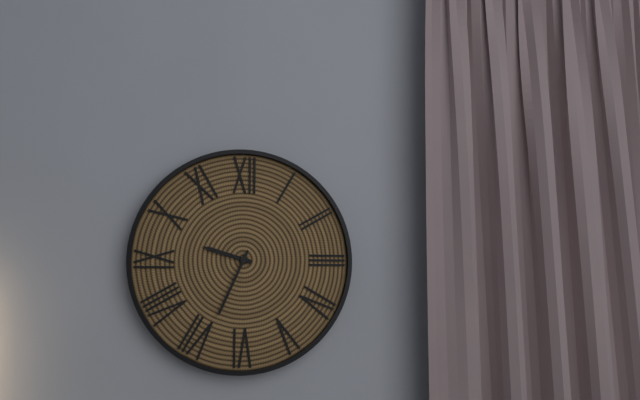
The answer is 9:34
